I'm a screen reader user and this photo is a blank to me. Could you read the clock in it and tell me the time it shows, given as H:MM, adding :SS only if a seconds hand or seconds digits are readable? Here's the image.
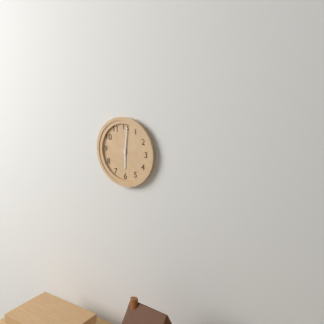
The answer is 6:01
